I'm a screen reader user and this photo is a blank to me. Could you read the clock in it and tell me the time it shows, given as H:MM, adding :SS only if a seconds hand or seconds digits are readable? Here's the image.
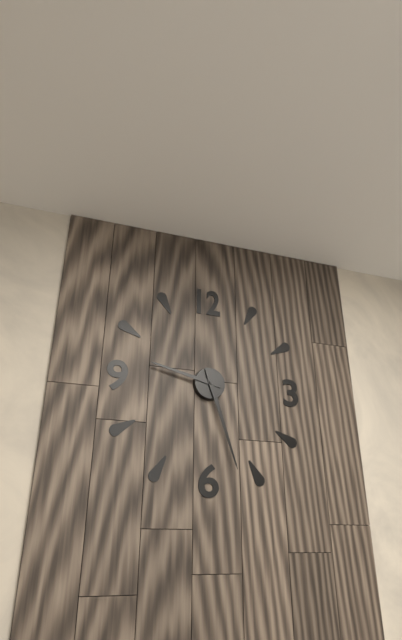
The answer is 9:27
